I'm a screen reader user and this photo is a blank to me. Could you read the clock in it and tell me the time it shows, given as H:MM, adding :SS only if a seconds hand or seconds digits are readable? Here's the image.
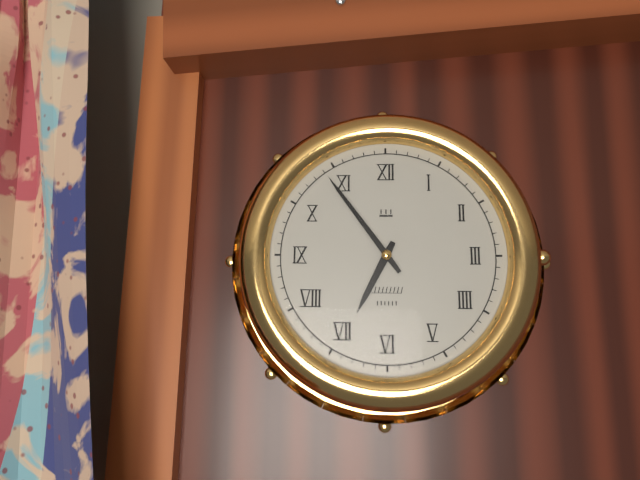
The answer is 6:54
